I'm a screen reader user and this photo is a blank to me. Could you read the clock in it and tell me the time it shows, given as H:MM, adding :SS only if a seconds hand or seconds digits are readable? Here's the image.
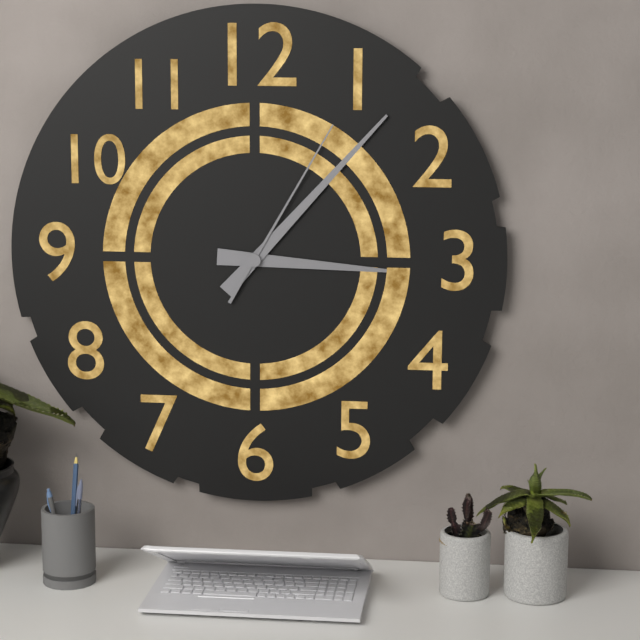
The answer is 3:07:05
